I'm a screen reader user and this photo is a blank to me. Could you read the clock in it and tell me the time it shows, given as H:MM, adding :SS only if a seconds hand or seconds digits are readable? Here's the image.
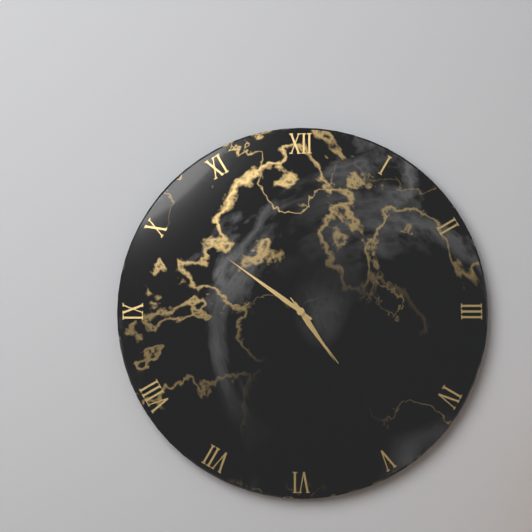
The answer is 4:51:24
